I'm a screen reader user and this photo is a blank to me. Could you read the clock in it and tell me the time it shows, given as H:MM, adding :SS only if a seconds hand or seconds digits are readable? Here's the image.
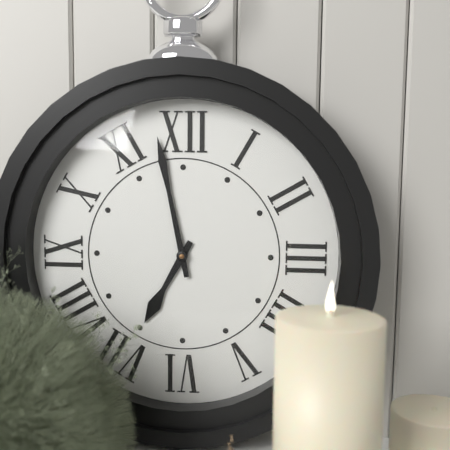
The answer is 6:58
